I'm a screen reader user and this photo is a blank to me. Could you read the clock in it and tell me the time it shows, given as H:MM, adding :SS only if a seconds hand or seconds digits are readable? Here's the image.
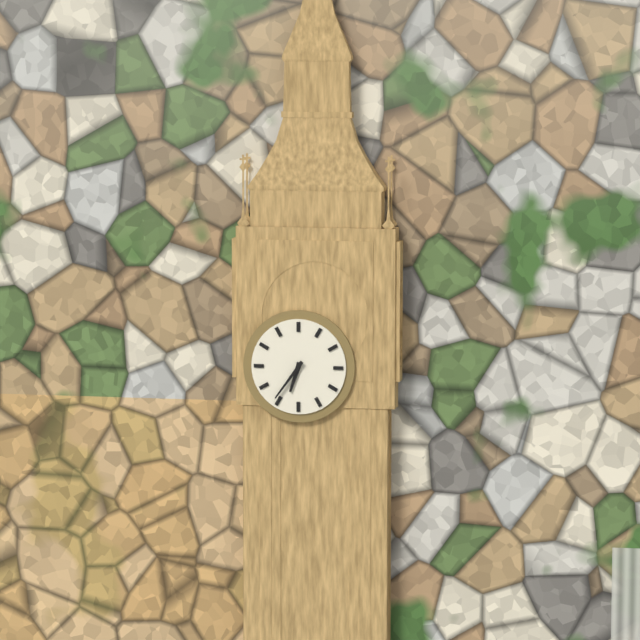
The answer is 6:36
